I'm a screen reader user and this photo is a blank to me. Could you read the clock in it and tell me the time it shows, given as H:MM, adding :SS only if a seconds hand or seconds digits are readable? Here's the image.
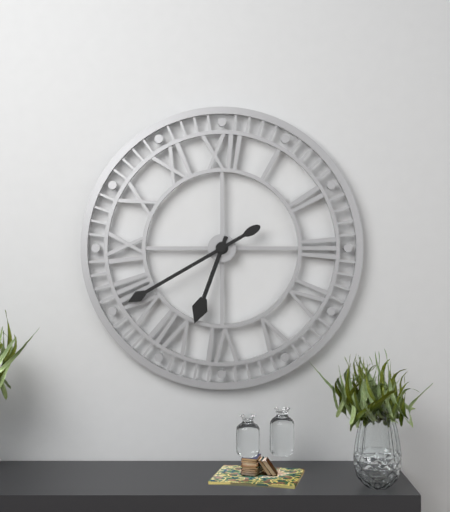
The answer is 6:40
